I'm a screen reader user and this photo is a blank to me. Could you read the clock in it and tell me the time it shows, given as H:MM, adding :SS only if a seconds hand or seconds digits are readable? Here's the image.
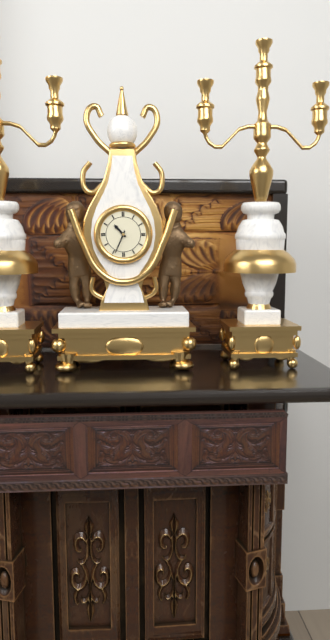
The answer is 10:34
